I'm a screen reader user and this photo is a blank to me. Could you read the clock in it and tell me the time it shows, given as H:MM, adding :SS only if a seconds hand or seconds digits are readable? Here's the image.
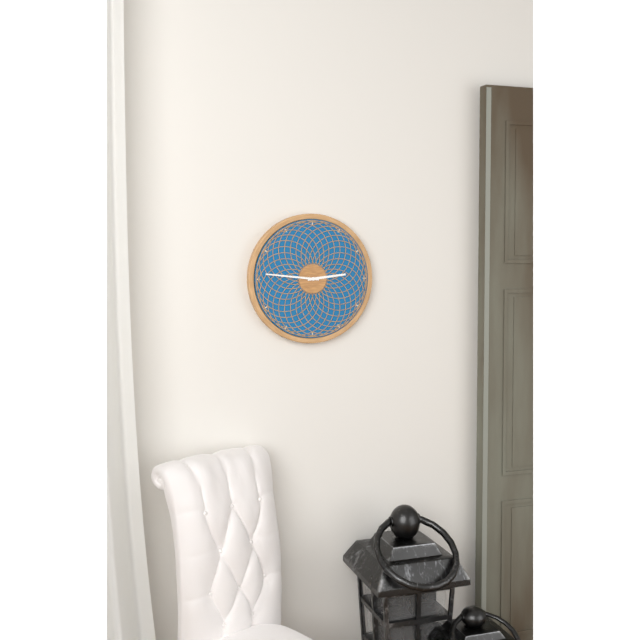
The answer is 2:46
